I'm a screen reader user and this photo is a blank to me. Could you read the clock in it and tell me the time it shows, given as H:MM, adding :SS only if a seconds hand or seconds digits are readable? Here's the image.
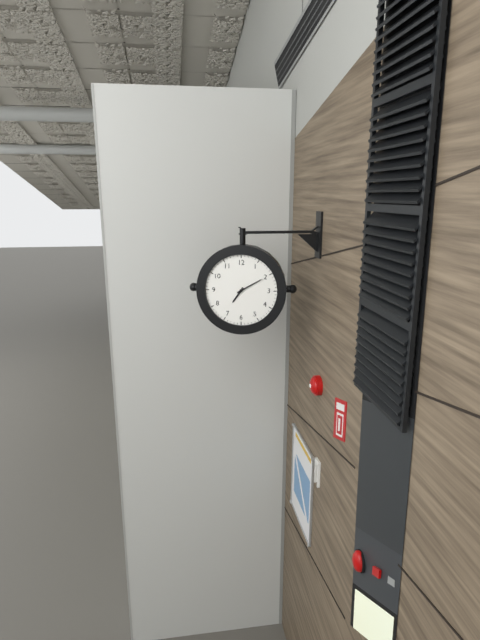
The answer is 7:10
